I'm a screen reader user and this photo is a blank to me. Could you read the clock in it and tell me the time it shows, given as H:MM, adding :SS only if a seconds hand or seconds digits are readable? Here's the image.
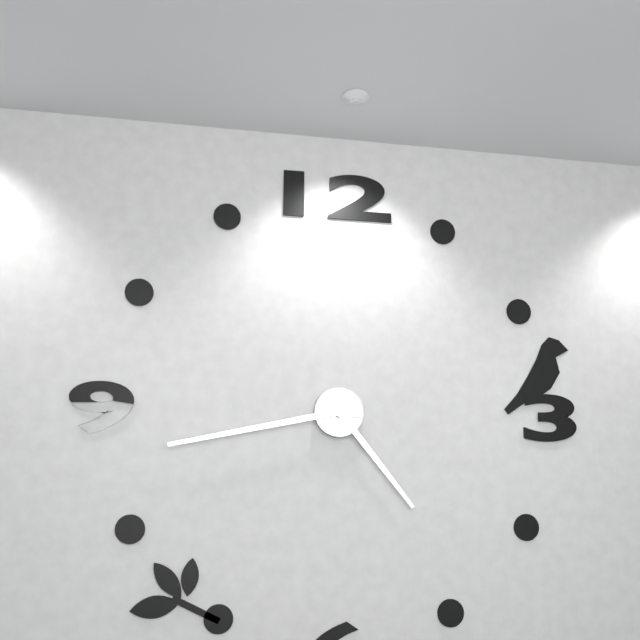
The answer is 4:43
